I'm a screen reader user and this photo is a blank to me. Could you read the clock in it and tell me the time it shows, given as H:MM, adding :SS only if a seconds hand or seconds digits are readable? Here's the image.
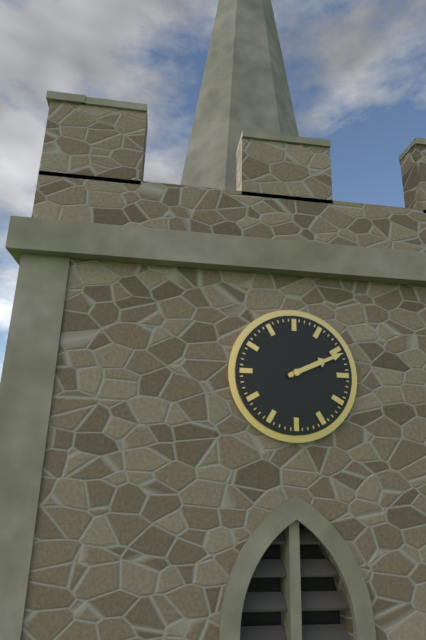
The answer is 2:11
